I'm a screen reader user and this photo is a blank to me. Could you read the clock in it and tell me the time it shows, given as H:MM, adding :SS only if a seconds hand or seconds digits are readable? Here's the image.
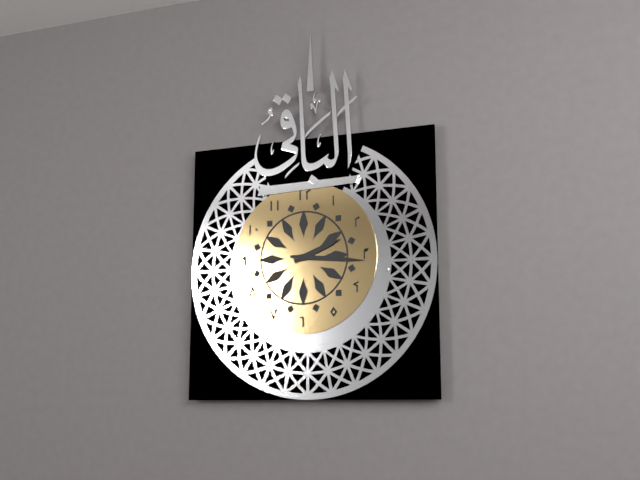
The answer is 2:16
